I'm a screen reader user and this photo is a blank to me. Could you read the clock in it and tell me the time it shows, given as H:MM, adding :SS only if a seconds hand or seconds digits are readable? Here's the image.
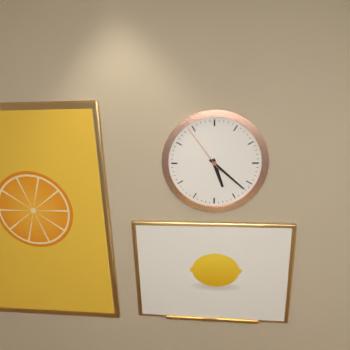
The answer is 5:22:54
